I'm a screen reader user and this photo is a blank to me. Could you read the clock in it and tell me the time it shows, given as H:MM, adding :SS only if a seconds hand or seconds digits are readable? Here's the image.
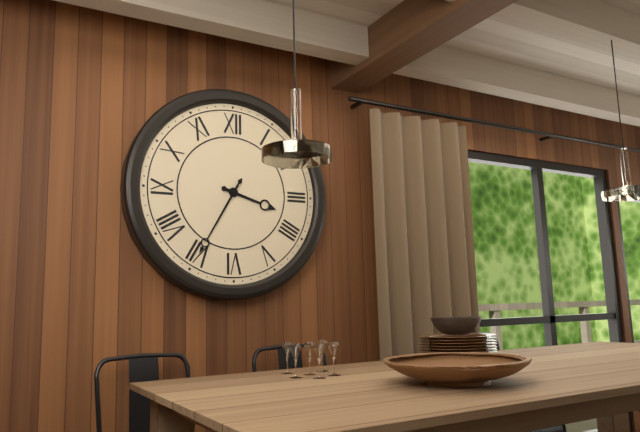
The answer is 3:35
